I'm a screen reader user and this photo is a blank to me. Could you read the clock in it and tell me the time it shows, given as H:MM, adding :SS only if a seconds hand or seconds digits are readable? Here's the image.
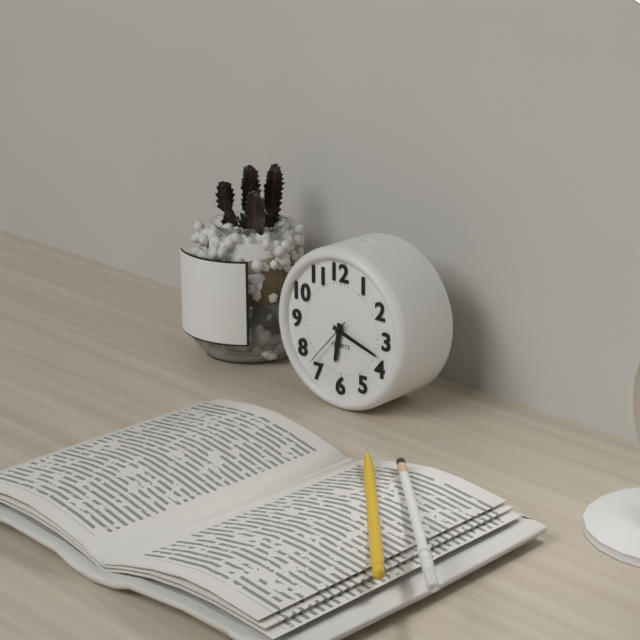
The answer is 6:18:37
